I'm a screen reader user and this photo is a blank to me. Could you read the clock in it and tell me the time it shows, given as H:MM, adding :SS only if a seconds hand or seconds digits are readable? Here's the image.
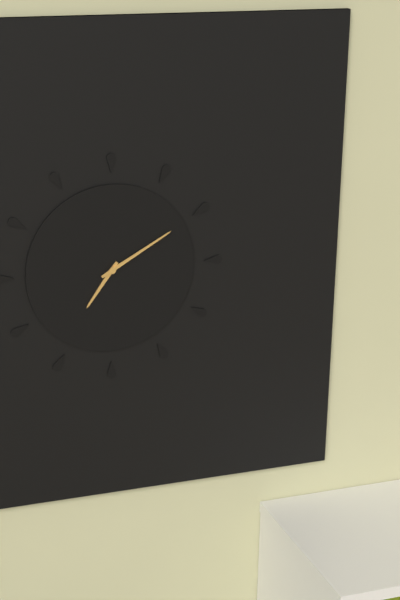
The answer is 7:10
